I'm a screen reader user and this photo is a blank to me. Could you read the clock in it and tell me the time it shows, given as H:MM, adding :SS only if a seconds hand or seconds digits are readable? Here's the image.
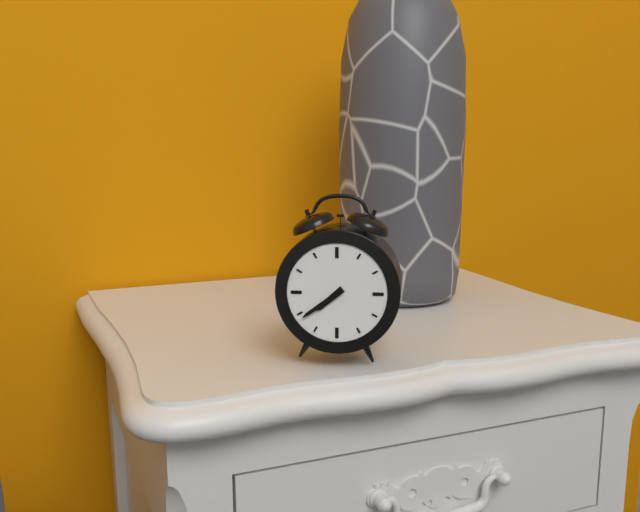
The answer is 7:39
